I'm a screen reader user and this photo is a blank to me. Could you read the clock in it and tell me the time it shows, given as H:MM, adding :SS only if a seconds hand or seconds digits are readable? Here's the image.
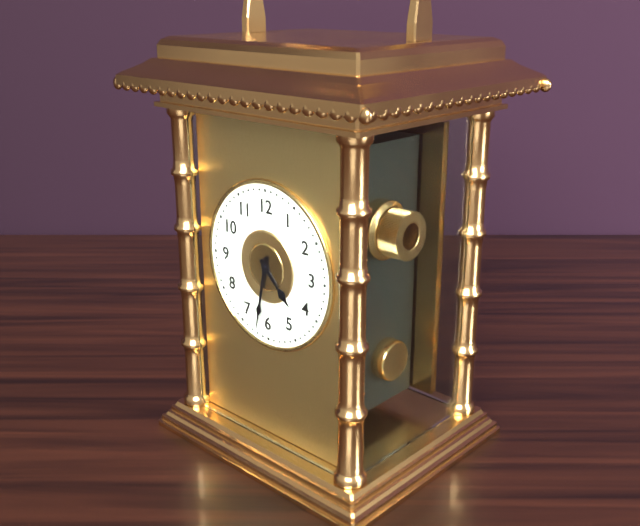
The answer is 4:32
